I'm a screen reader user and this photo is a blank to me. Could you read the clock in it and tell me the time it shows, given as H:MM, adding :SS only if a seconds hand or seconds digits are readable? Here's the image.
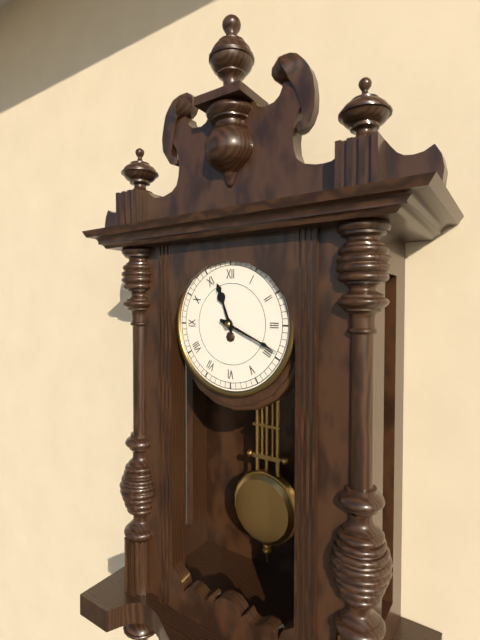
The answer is 11:19
